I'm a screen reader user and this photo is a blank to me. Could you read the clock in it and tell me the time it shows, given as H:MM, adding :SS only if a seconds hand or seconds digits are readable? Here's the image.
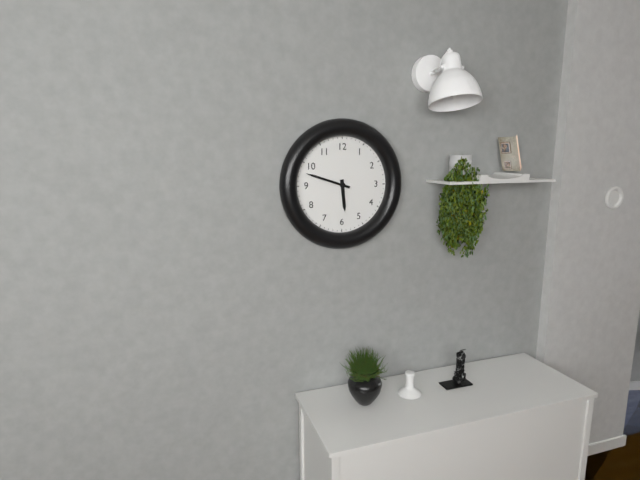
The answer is 5:48
